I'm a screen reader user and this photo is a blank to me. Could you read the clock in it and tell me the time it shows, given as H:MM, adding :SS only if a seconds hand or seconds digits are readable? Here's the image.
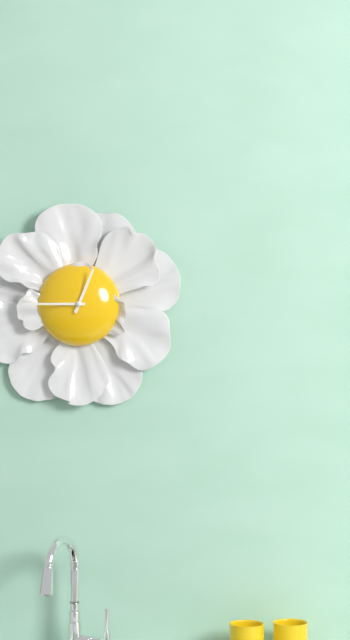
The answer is 12:45
